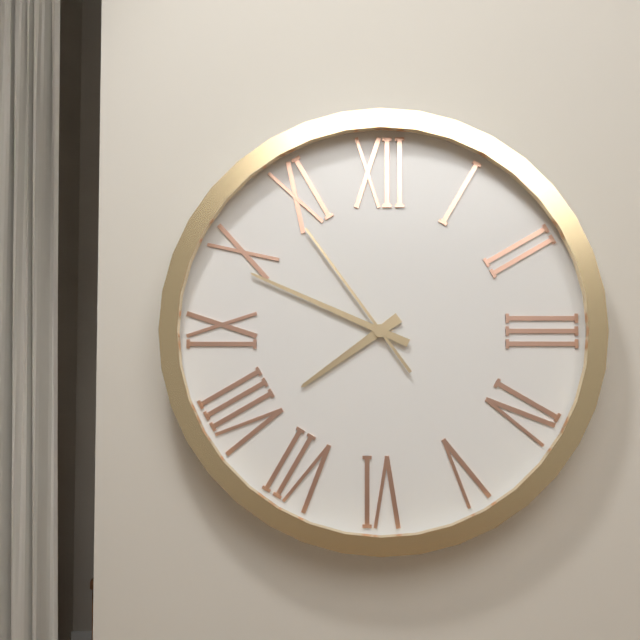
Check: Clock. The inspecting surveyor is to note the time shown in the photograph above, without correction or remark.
7:49:54
